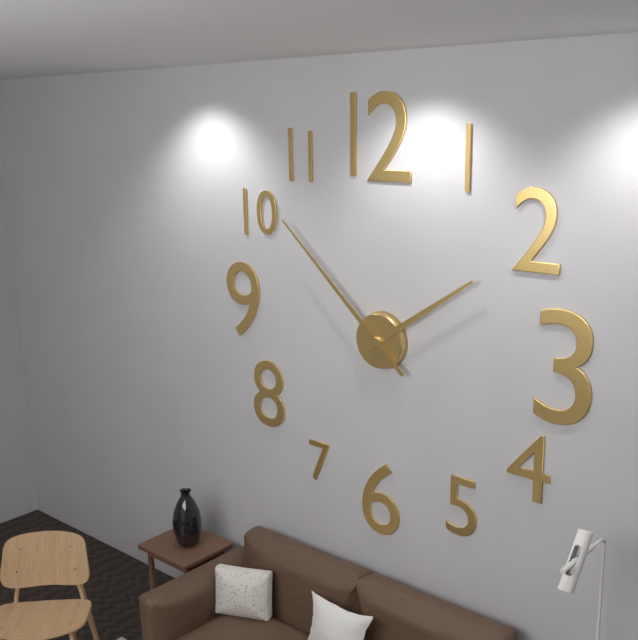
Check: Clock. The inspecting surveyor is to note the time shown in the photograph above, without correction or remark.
1:52
